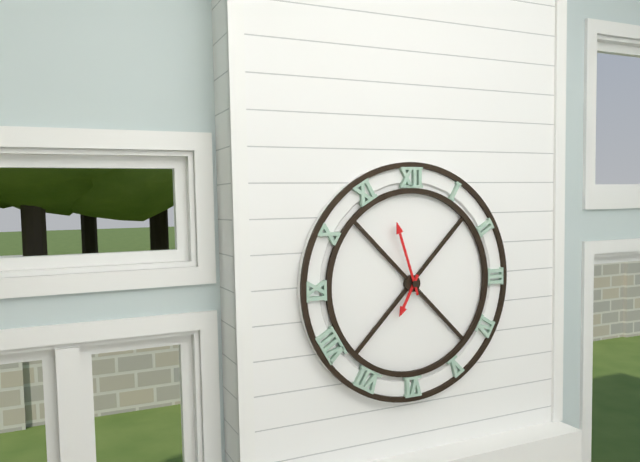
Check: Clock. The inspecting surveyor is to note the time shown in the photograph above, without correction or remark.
6:57
